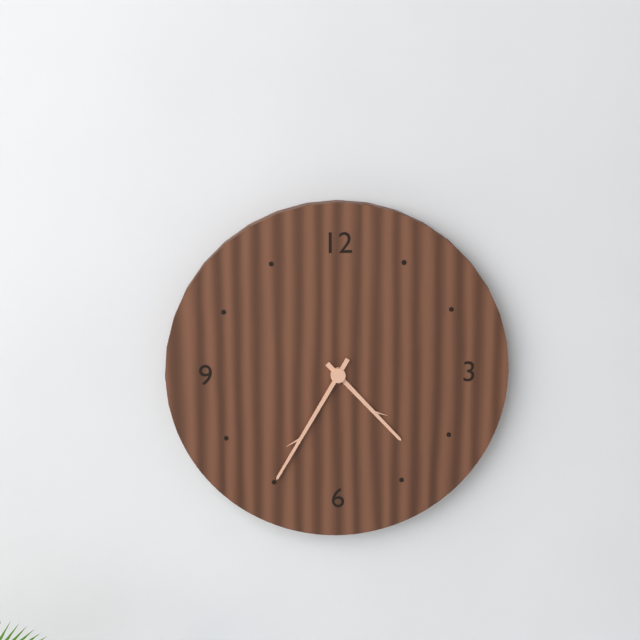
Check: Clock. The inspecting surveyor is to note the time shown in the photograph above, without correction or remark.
4:35
